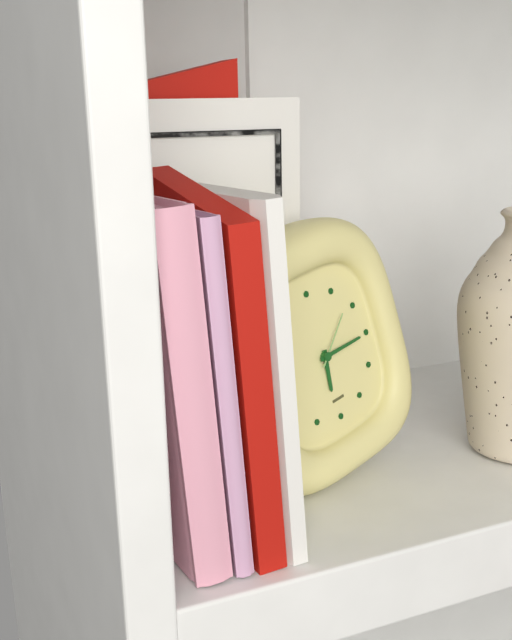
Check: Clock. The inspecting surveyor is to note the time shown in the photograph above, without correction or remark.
6:15:08
